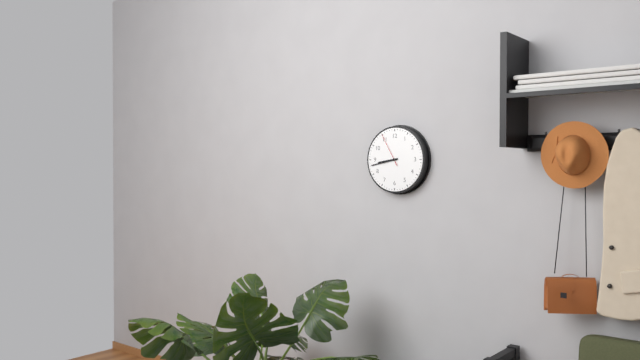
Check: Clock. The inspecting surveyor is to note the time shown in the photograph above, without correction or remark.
8:43
